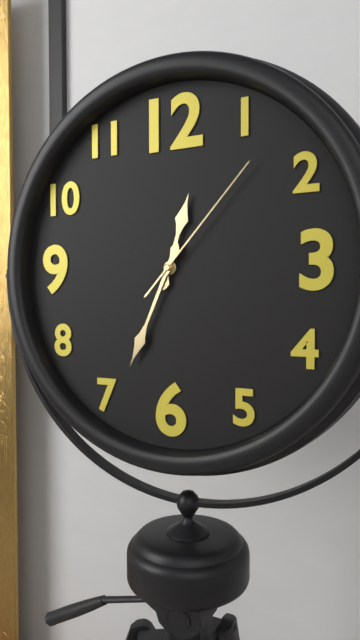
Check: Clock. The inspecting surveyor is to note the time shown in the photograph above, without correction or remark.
12:34:07
